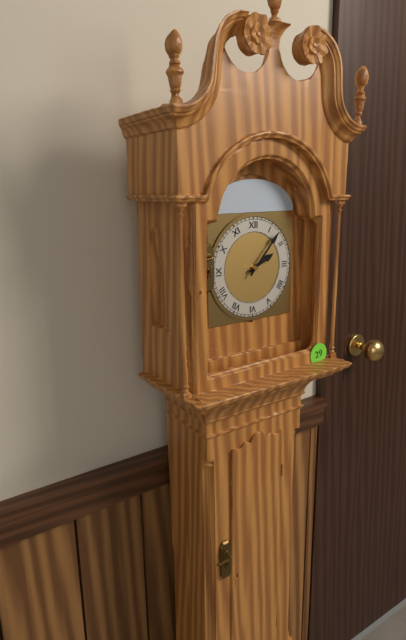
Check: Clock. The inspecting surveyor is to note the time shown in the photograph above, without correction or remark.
2:07
